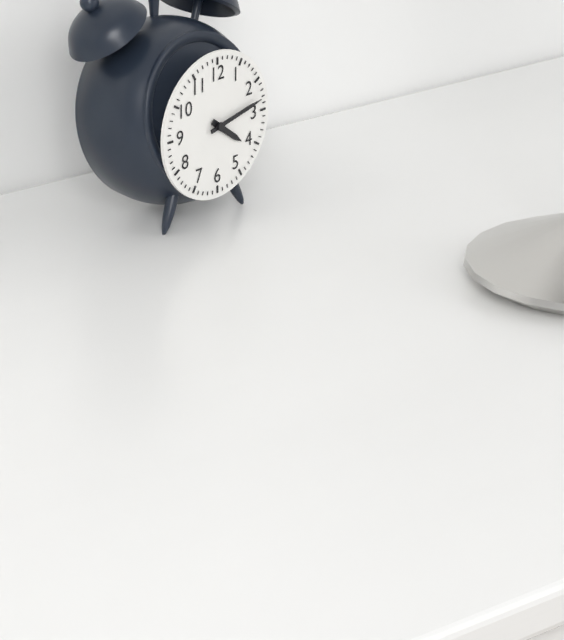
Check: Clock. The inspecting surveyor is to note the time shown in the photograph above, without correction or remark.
4:13
